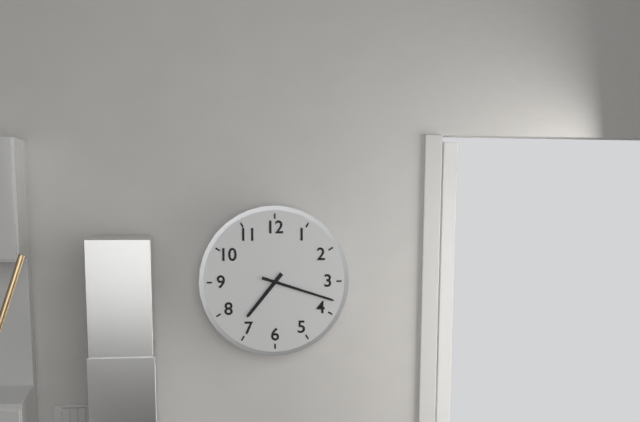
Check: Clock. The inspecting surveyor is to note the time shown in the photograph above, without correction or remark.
7:18
